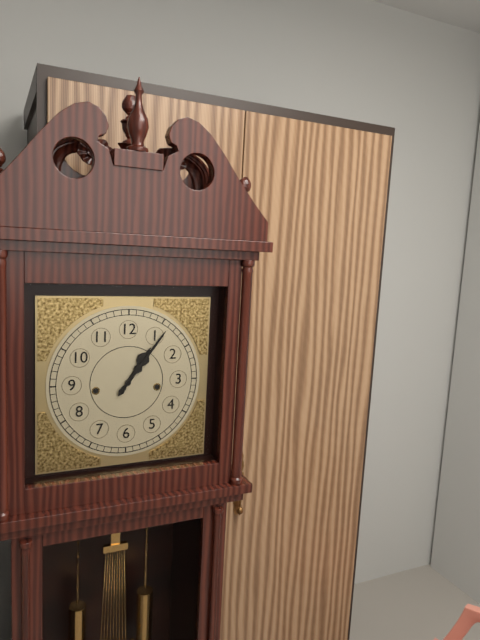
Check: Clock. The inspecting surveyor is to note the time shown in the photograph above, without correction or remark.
1:06
